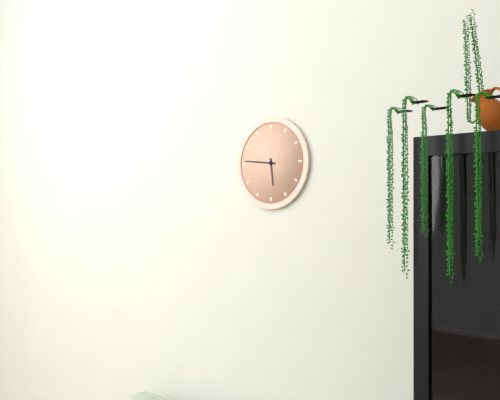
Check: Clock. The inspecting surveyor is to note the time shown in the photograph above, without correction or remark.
5:46
